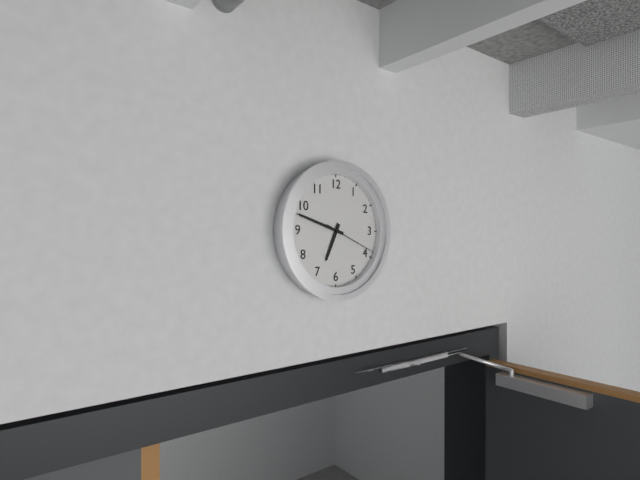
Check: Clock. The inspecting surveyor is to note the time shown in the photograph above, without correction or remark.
6:48:19
